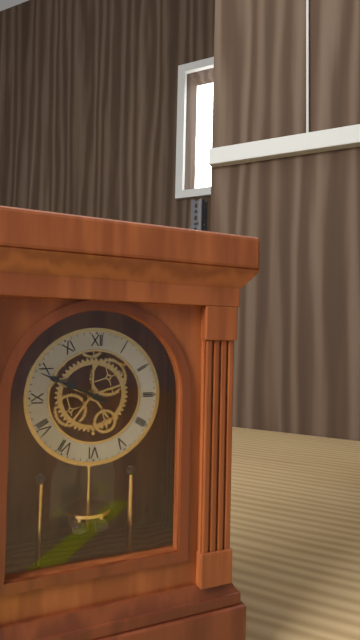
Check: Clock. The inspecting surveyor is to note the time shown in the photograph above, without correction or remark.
9:49
